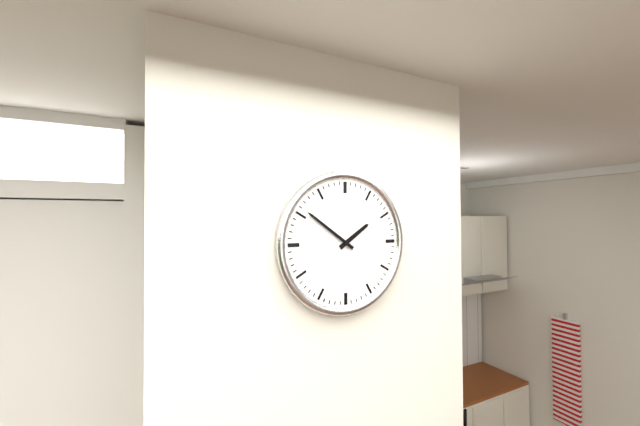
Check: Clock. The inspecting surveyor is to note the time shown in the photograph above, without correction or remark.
1:51
